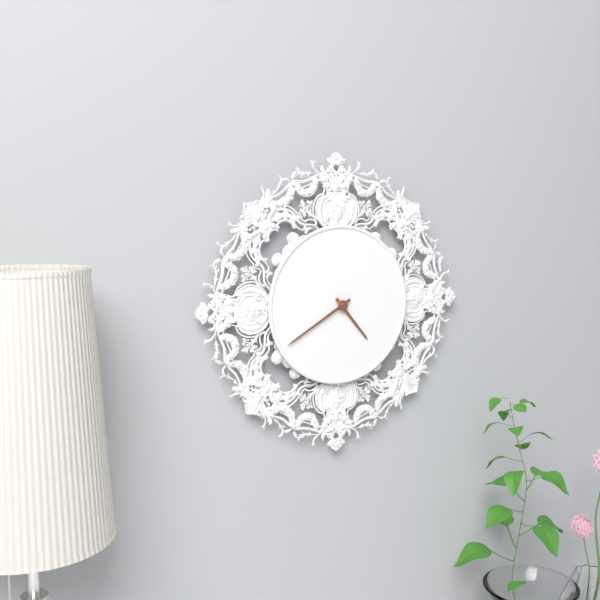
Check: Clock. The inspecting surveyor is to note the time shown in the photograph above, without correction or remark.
4:40
